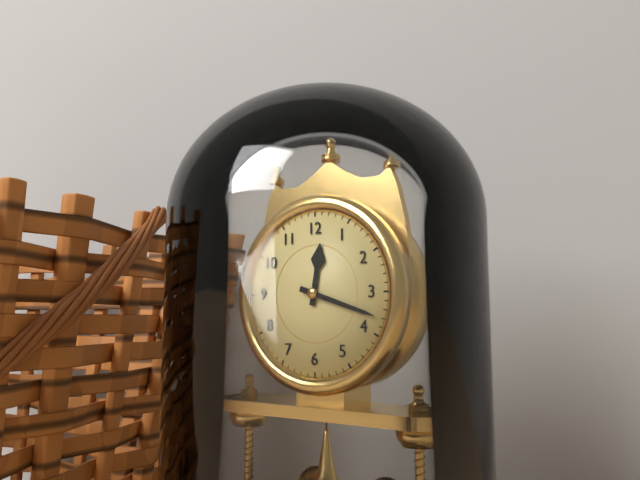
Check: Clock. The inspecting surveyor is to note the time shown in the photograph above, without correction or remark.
12:18
